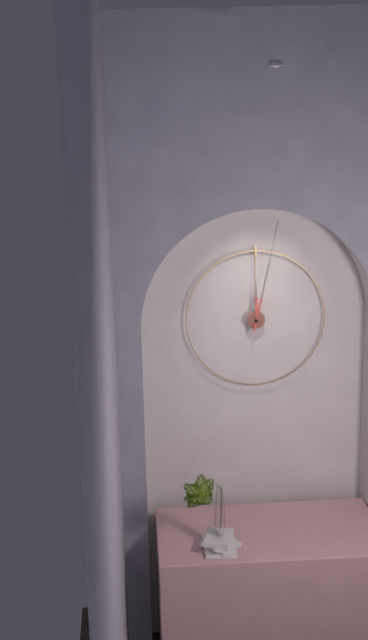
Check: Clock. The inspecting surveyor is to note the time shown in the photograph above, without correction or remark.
12:02
